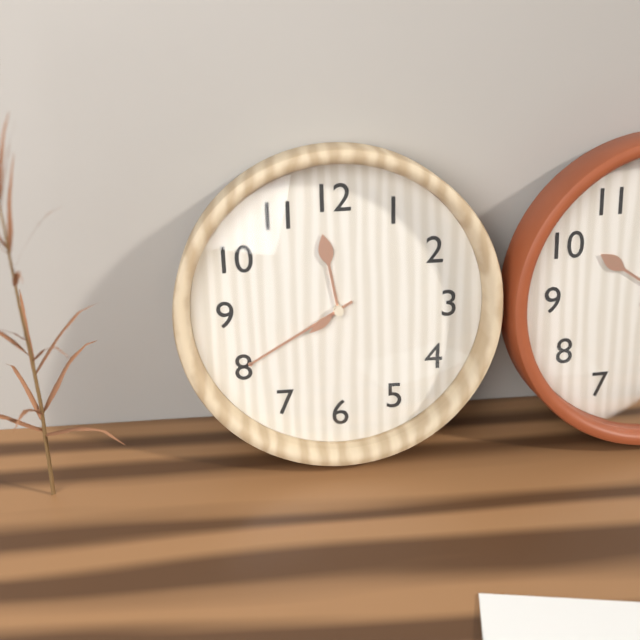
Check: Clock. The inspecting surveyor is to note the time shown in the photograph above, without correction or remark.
11:40
